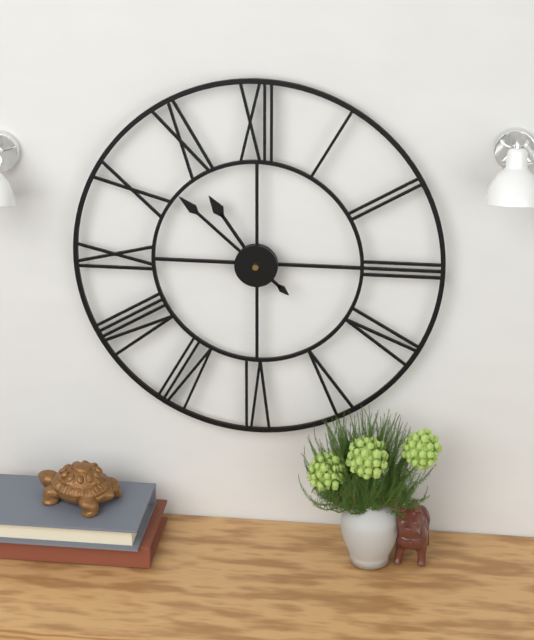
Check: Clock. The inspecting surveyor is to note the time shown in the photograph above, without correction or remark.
10:52
